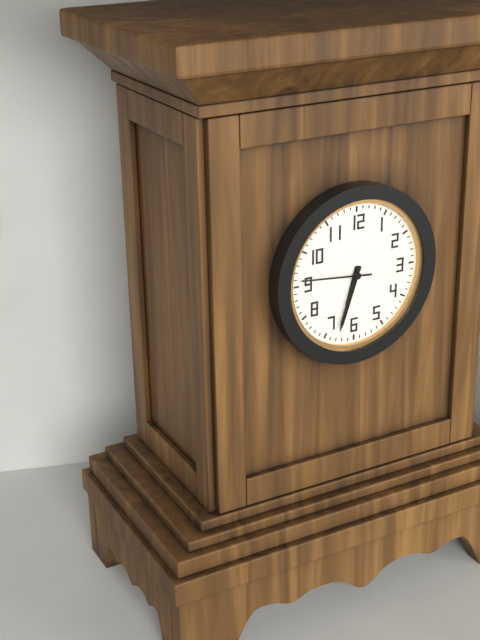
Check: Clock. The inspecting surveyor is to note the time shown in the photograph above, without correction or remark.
6:33
